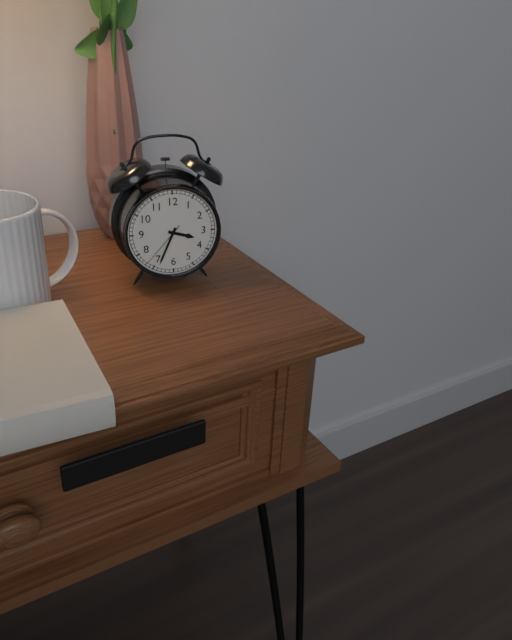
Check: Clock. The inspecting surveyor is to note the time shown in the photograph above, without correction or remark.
3:34
